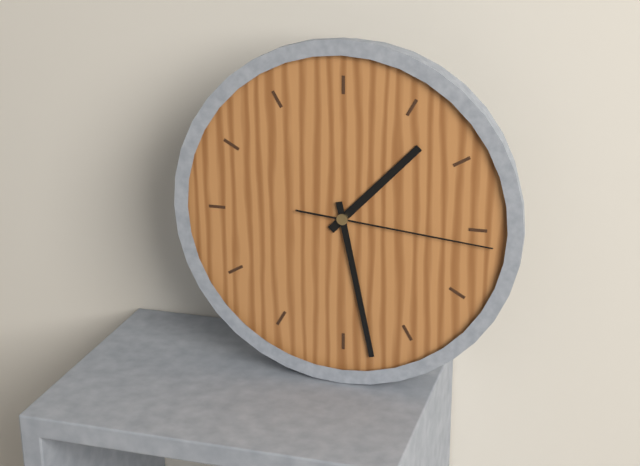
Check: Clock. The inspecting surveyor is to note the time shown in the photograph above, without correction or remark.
1:28:16
